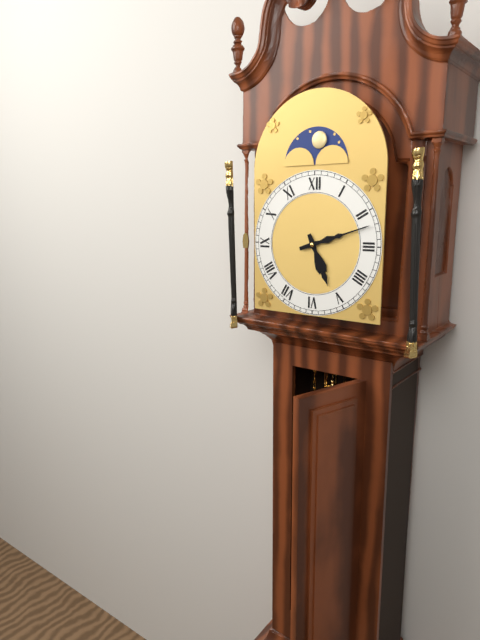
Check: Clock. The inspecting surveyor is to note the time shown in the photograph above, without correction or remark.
5:12
